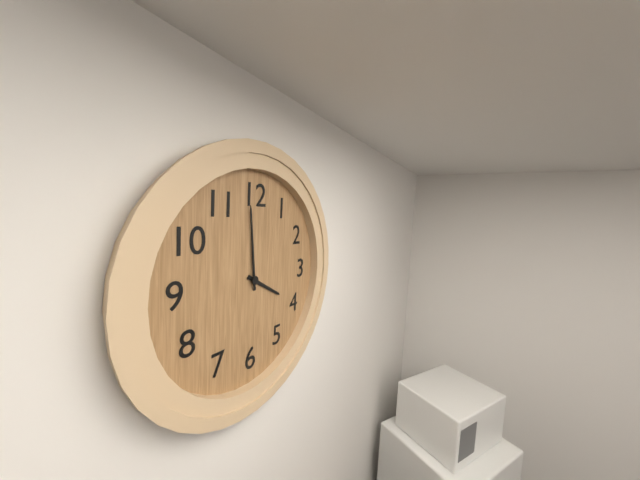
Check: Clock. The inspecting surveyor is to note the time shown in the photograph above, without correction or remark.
3:59
